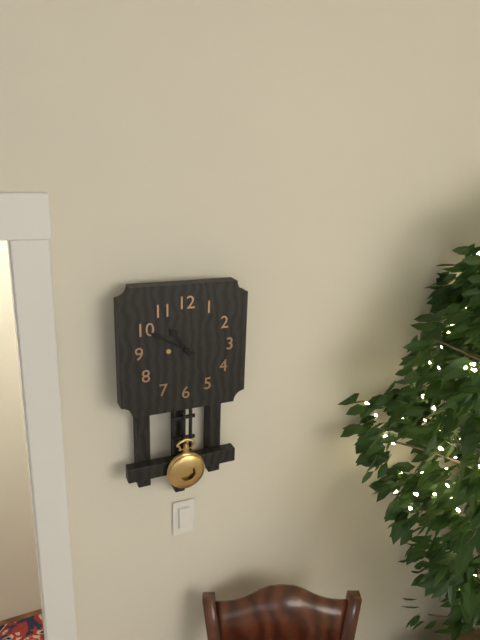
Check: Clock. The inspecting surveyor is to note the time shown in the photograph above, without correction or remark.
10:50
